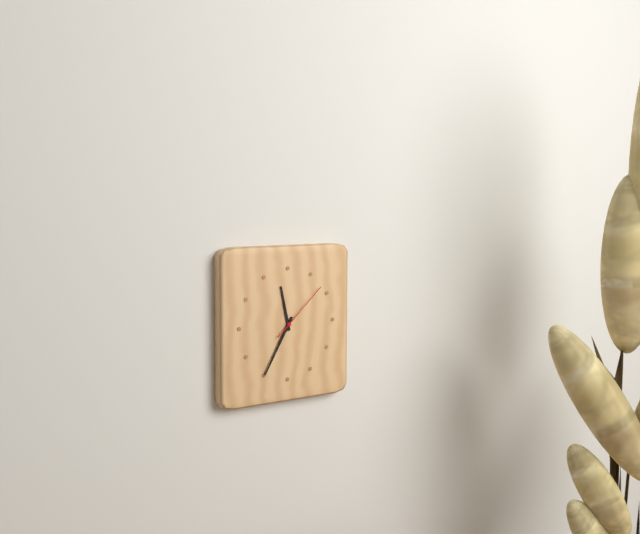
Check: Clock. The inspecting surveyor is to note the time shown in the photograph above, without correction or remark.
11:35:08
